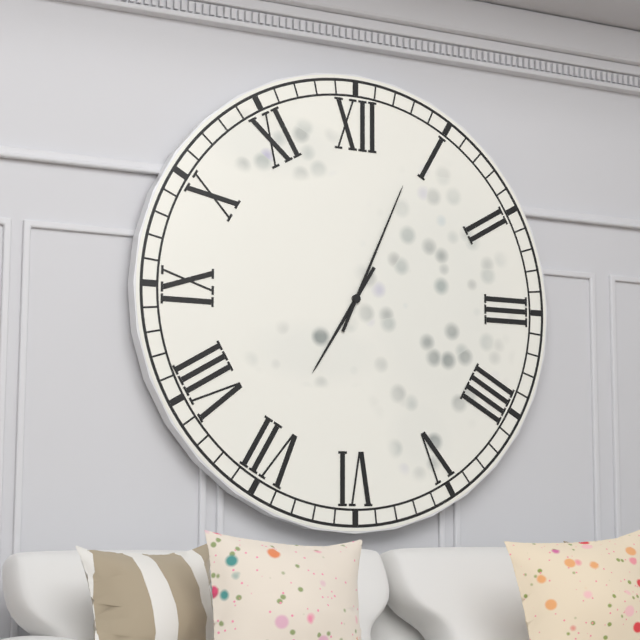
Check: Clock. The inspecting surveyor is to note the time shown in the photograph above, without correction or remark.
7:04
